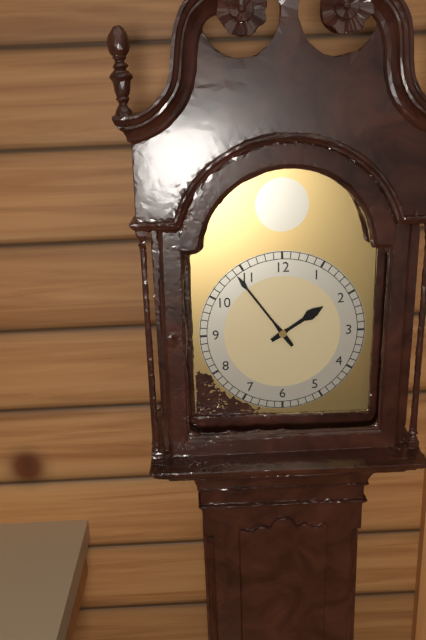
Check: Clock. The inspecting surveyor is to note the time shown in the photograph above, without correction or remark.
1:54
